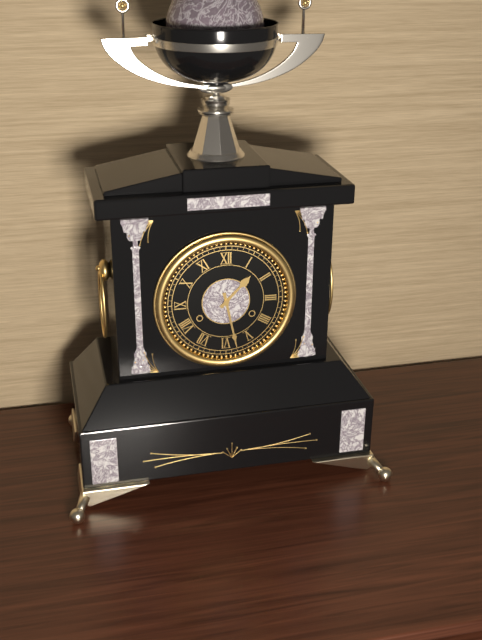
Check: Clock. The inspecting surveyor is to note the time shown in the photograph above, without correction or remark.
1:28
